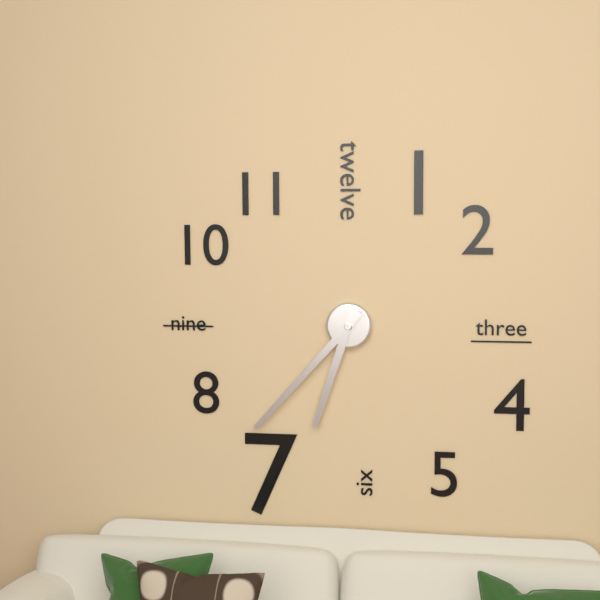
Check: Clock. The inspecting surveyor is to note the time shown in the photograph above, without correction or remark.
6:37
